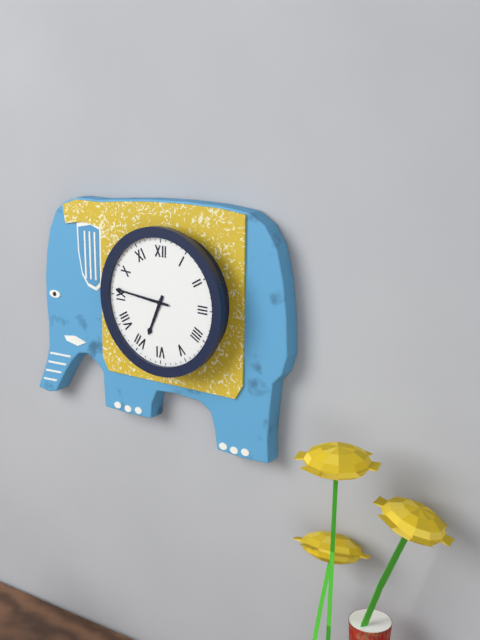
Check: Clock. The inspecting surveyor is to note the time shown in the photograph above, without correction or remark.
6:46
